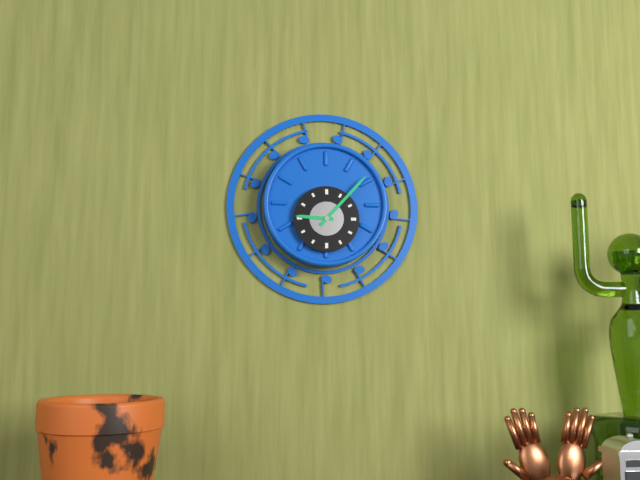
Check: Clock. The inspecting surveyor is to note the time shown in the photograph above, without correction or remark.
9:07
